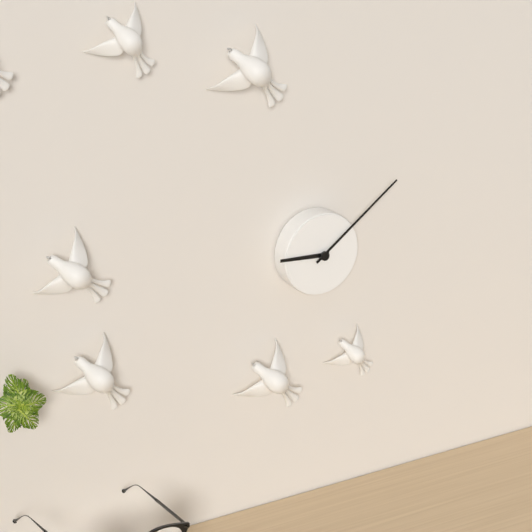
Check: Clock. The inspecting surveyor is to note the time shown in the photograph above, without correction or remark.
9:09
